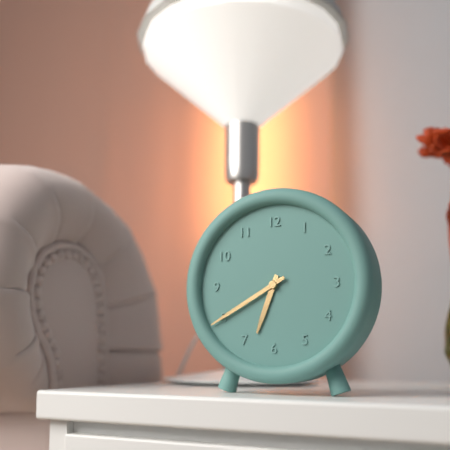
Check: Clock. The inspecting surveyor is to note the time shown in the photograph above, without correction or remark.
6:40
